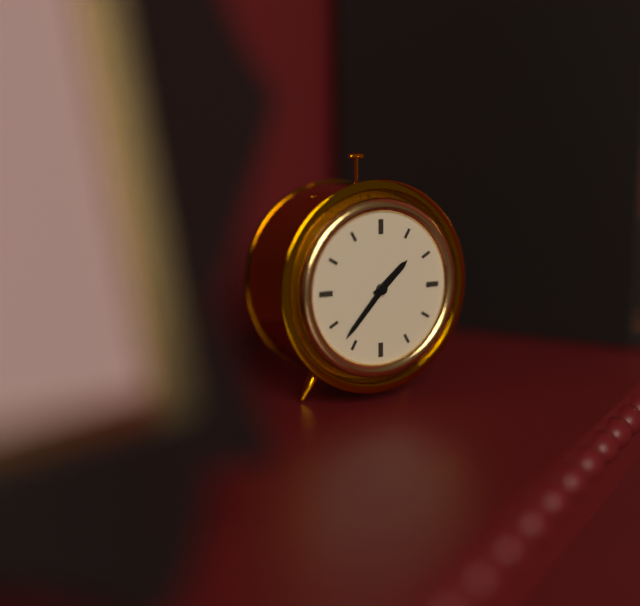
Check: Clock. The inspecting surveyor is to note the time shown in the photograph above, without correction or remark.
1:37
